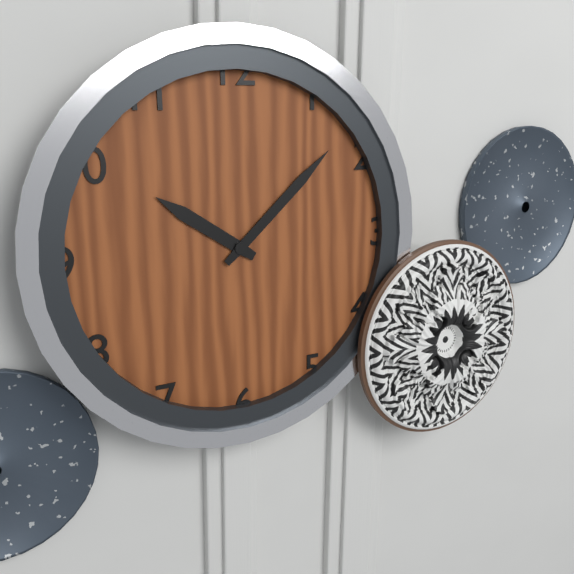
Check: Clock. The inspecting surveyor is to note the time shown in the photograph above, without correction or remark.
10:08
